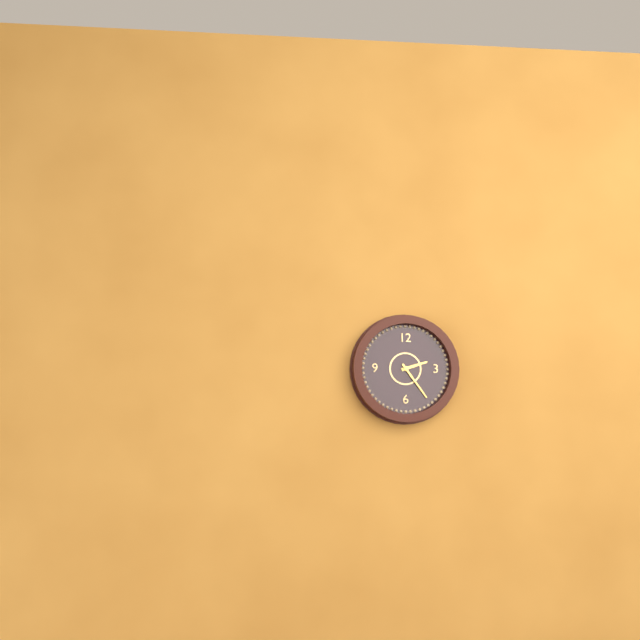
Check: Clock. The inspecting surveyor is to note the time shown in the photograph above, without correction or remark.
2:24
